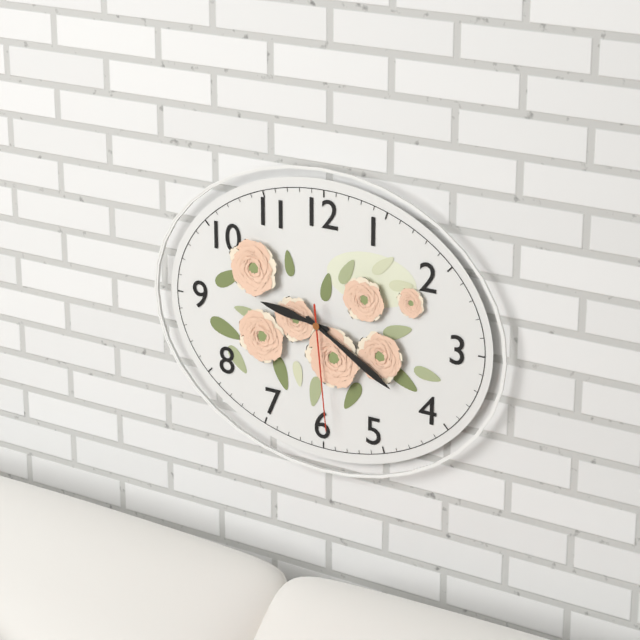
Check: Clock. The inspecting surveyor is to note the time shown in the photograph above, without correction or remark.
9:20:29
